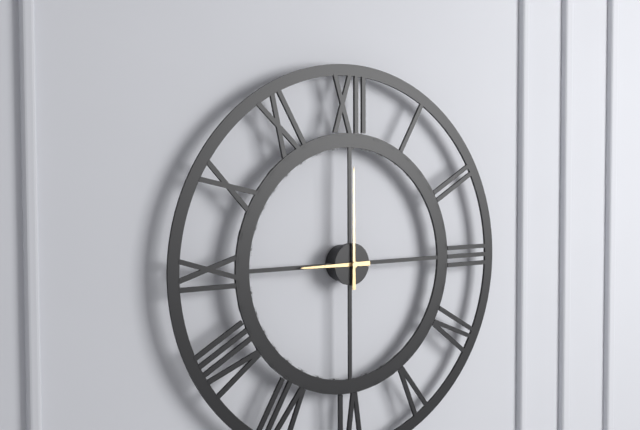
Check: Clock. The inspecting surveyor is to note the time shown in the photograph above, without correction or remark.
9:00
